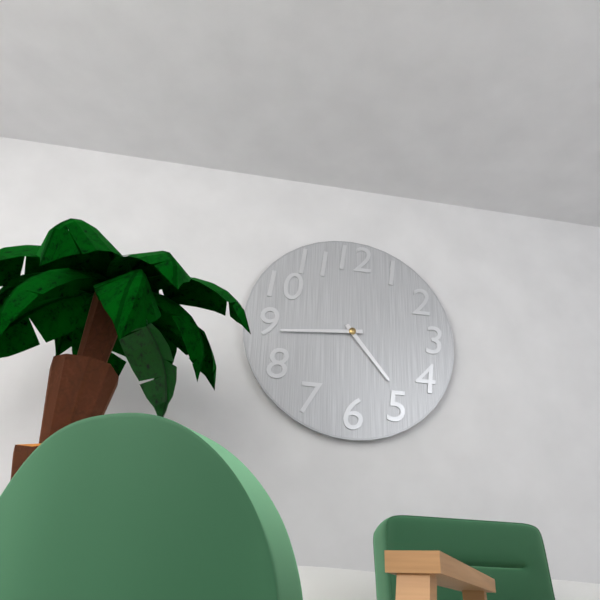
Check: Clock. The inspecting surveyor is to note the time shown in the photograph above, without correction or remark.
4:44
